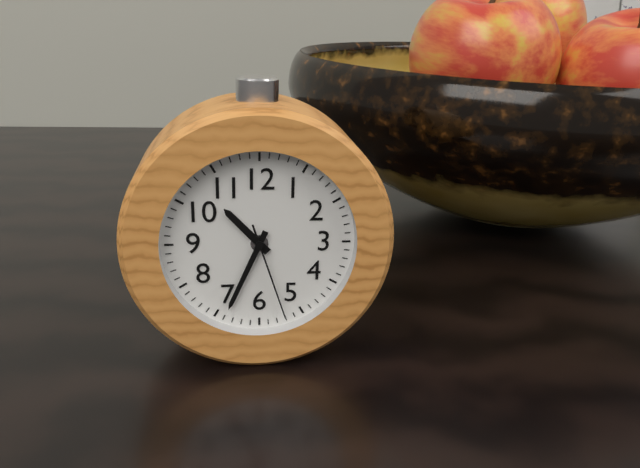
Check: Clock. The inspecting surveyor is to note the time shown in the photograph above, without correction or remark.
10:34:27
